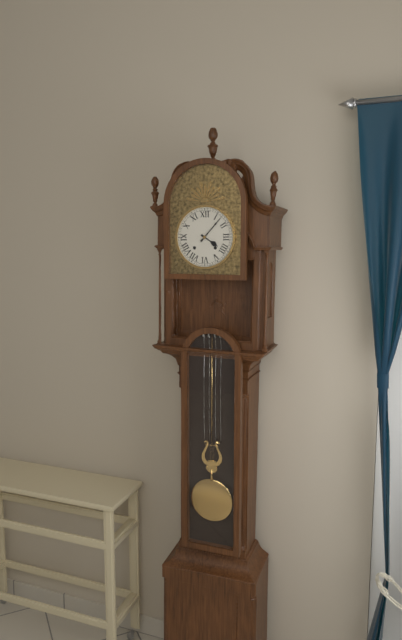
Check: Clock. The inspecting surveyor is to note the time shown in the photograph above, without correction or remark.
4:07
